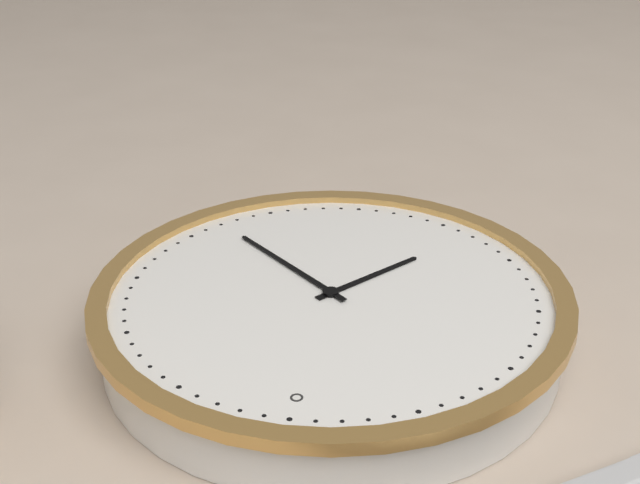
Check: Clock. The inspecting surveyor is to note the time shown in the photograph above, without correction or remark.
7:22
